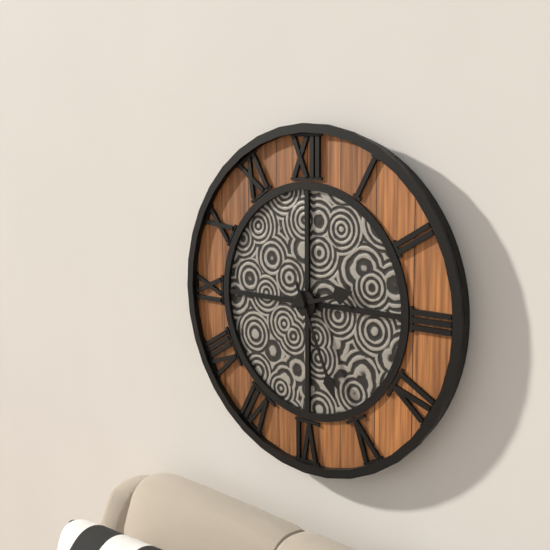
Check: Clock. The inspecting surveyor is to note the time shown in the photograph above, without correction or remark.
2:26
